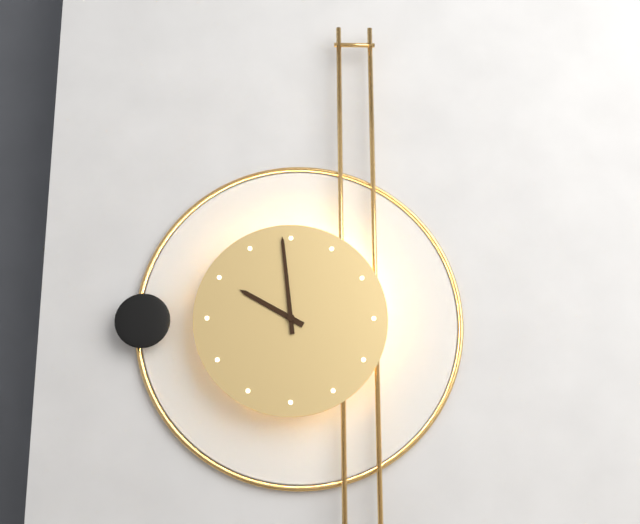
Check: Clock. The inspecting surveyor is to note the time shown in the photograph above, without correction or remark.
9:59
